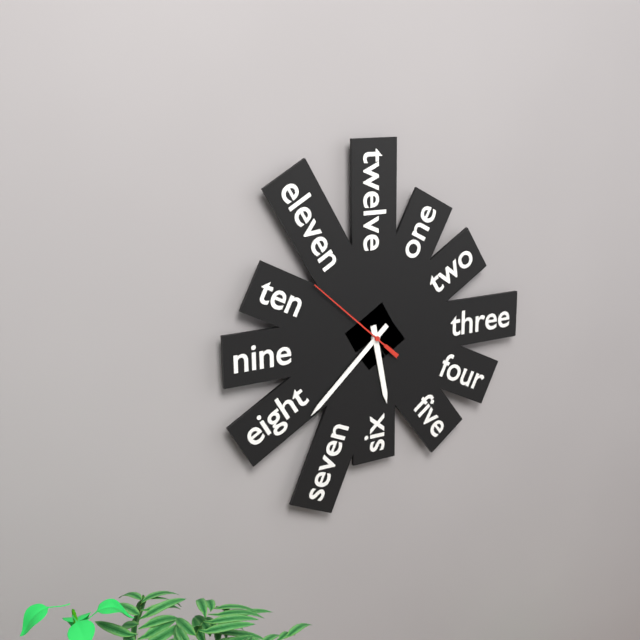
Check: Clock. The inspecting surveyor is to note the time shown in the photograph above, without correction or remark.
5:38:52
